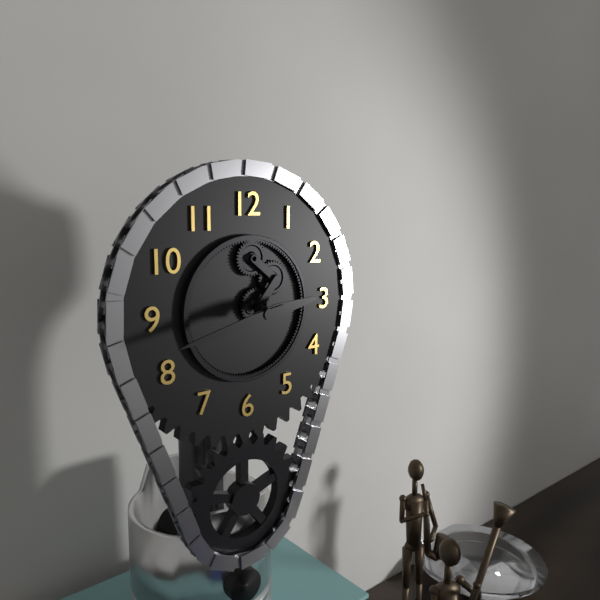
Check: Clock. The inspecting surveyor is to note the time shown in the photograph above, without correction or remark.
2:43
